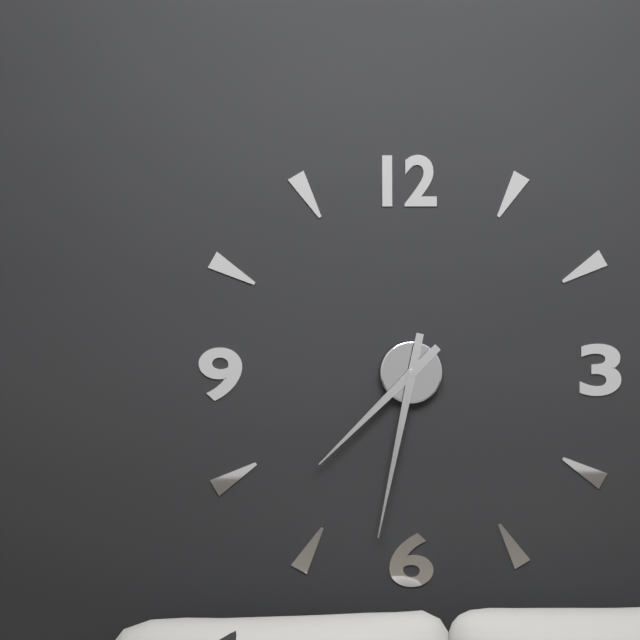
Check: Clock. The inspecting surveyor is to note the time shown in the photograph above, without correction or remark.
7:32
